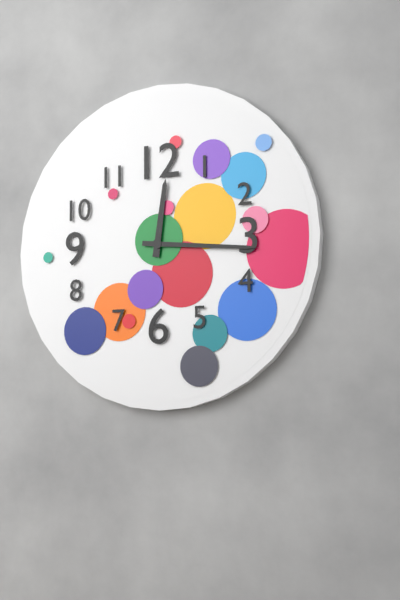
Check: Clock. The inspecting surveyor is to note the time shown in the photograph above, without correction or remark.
12:16
